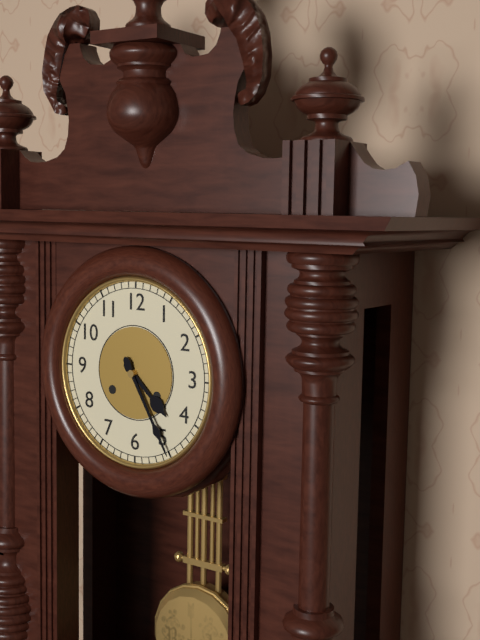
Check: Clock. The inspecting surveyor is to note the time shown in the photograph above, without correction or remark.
4:25
